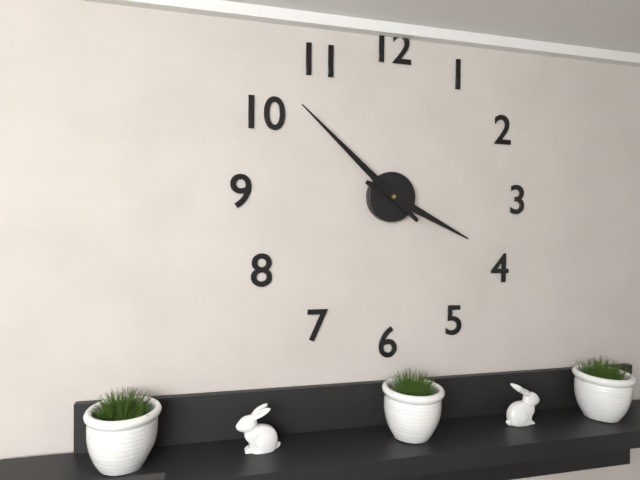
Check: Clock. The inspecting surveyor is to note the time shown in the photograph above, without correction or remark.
3:52
